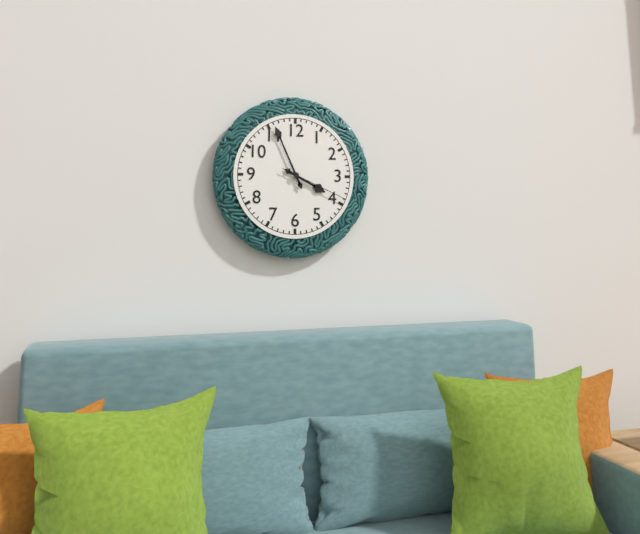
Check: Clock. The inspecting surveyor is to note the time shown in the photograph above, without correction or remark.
3:56:19
